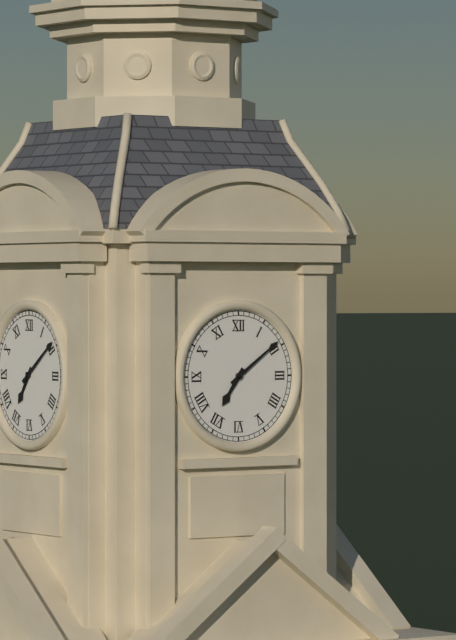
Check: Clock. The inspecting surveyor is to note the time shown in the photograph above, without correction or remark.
7:09
